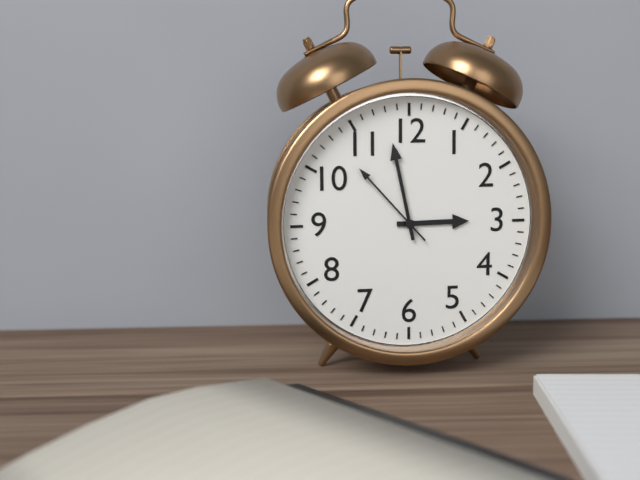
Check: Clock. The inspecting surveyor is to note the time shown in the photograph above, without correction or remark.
2:58:53
